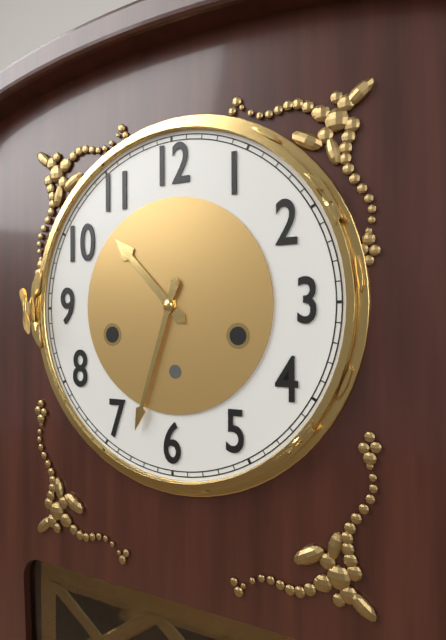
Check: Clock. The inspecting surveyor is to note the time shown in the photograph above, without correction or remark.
10:33
